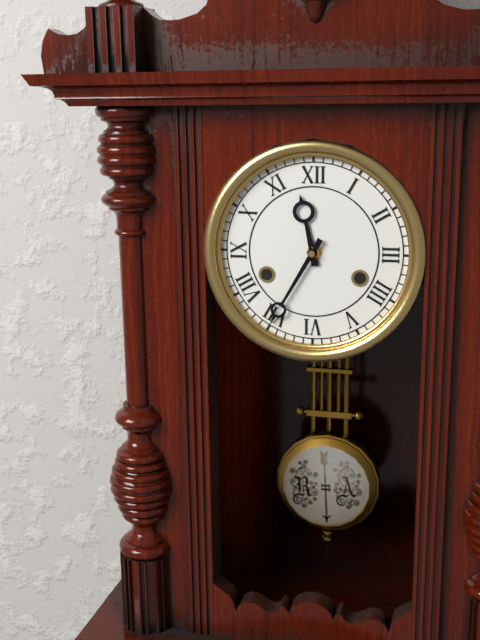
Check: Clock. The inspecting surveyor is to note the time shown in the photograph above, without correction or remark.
11:35
